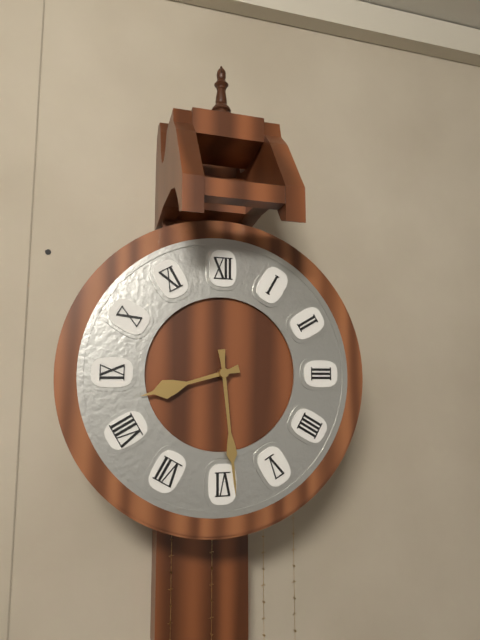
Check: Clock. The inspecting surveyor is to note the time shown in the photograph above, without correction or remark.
8:29
